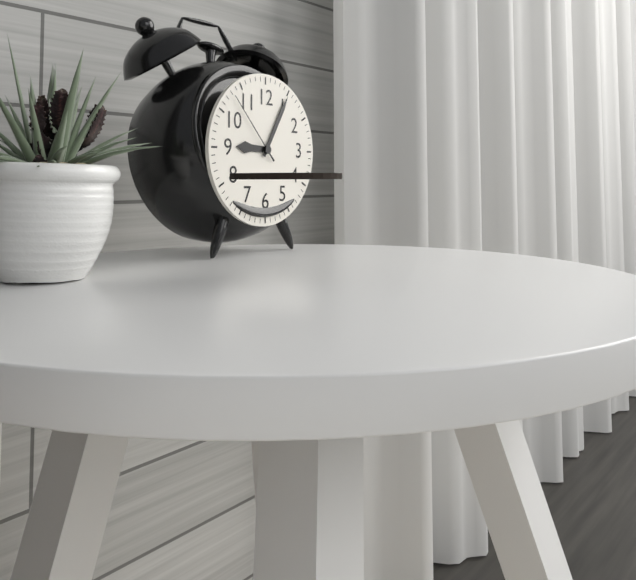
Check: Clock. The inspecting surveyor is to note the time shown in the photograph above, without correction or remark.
9:05:53
